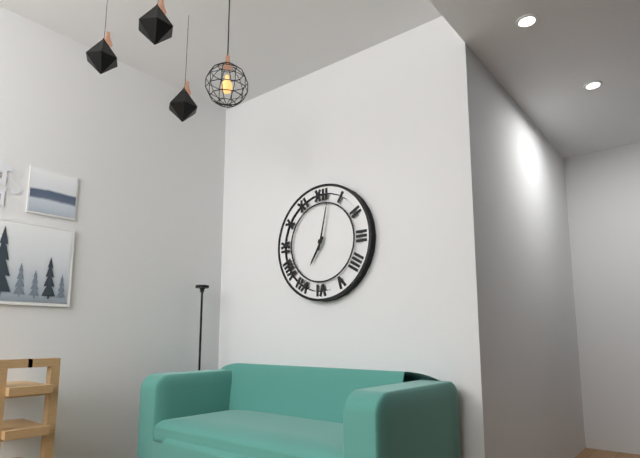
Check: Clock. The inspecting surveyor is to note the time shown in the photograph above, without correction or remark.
7:02
